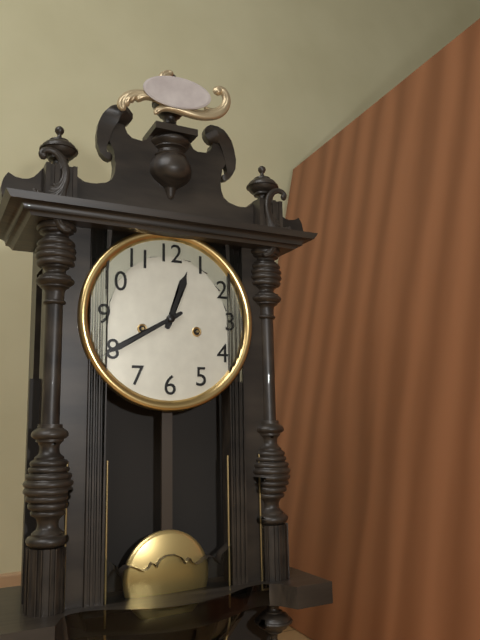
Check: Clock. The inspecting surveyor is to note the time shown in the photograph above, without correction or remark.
12:40
